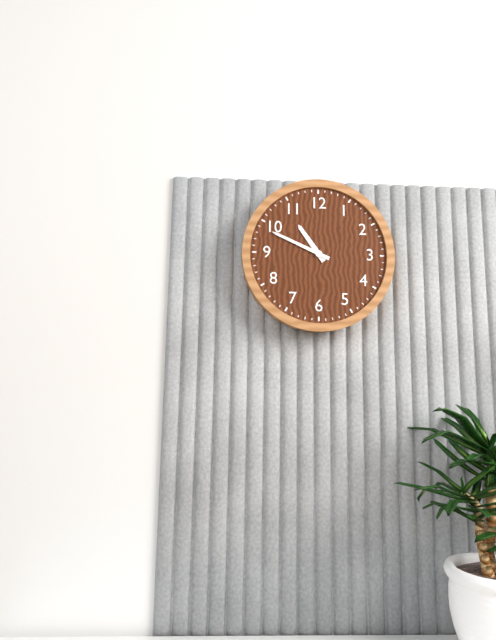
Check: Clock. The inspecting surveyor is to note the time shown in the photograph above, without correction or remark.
10:49
